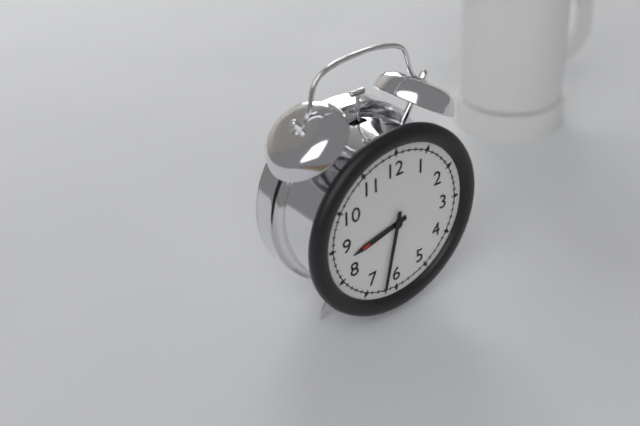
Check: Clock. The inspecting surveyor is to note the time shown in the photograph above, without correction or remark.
8:32
